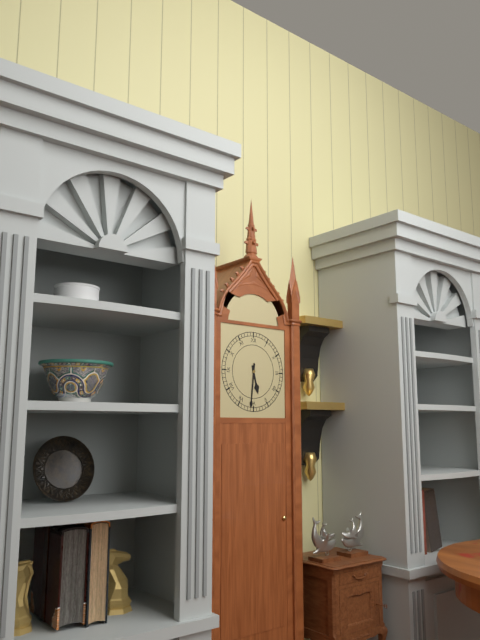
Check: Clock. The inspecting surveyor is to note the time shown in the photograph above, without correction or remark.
5:31
